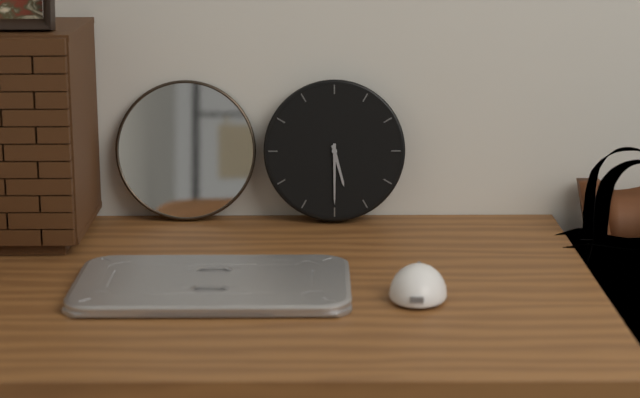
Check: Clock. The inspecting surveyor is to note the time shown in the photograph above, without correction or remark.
5:30
